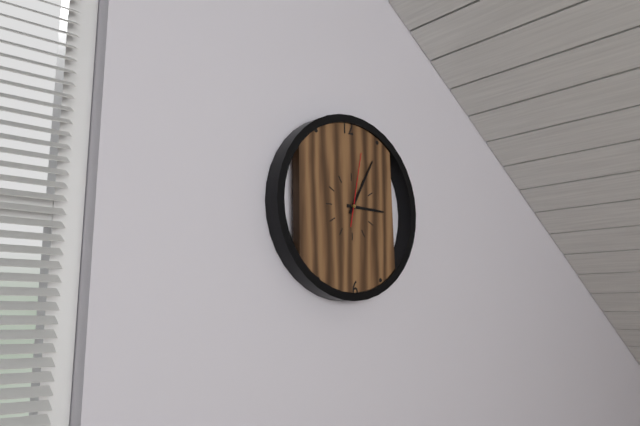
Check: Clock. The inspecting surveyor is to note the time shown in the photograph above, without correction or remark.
3:05:02
